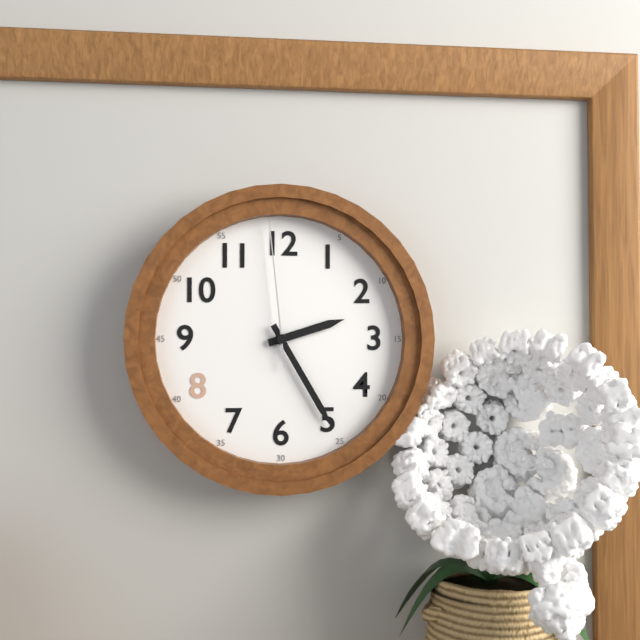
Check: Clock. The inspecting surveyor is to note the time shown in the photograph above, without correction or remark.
2:25:59
